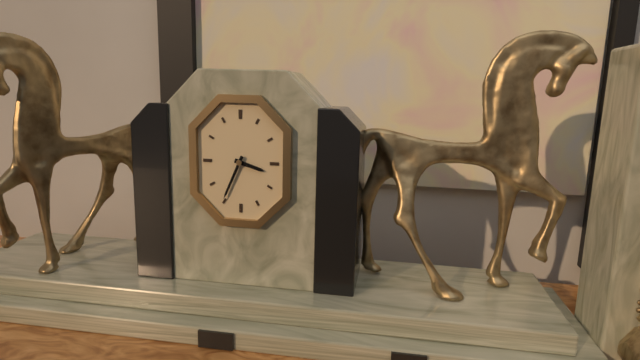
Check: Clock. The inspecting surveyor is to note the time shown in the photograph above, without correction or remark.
3:34
